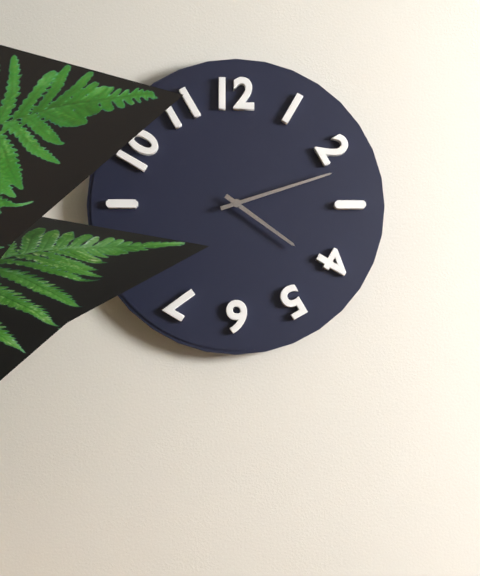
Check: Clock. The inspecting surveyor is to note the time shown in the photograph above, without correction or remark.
4:12
